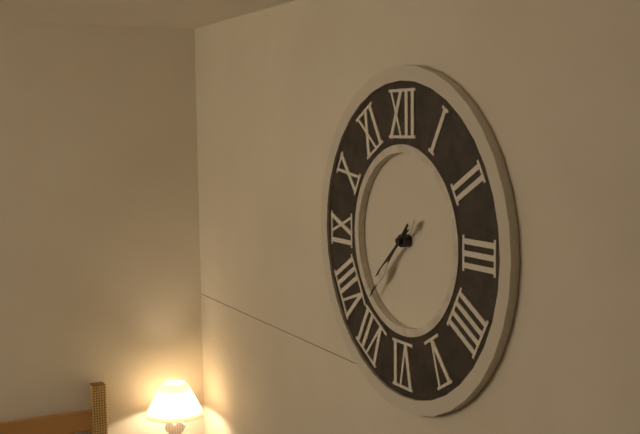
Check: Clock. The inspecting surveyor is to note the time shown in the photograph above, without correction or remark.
7:37
